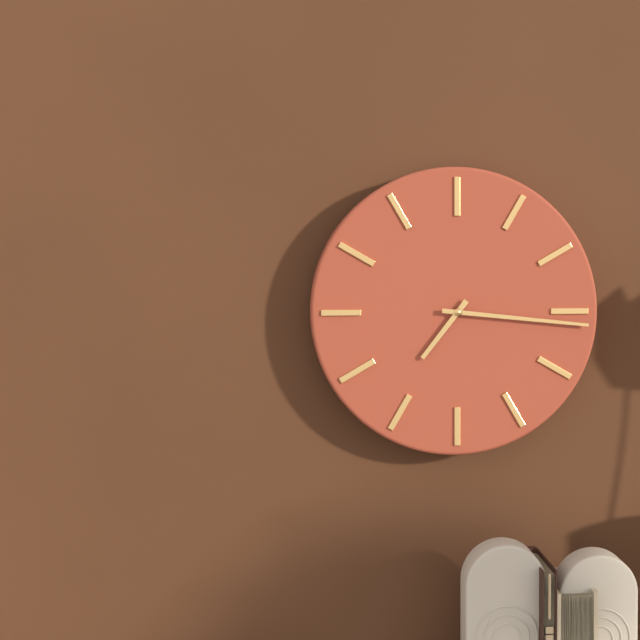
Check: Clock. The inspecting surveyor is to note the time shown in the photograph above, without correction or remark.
7:16
